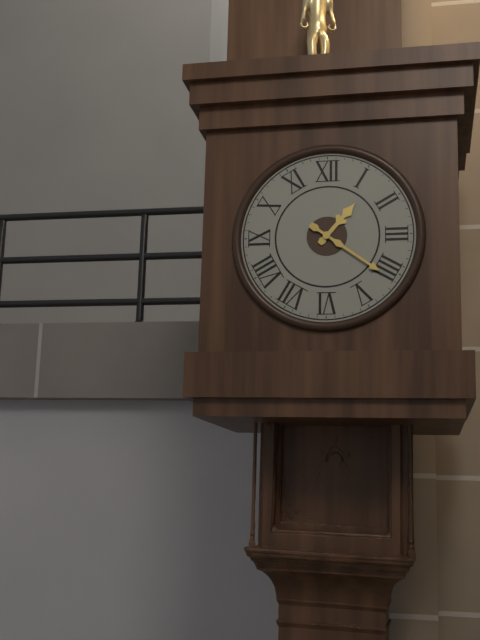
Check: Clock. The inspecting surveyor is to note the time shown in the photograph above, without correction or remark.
1:21
